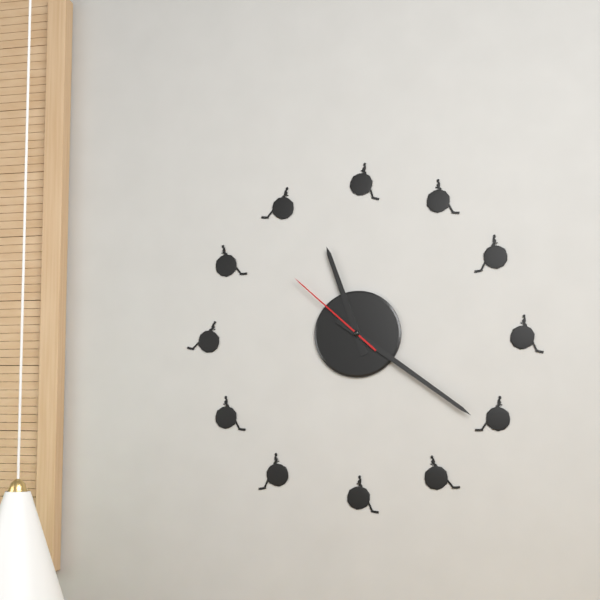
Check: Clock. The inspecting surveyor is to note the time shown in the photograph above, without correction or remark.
11:21:52
